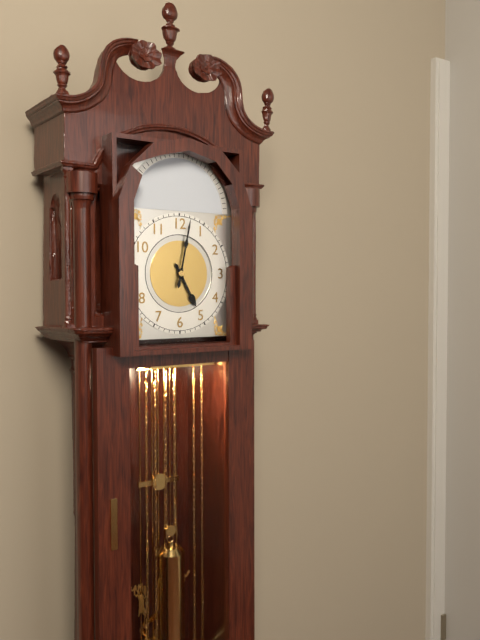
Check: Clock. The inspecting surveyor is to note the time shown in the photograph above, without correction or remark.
5:02
